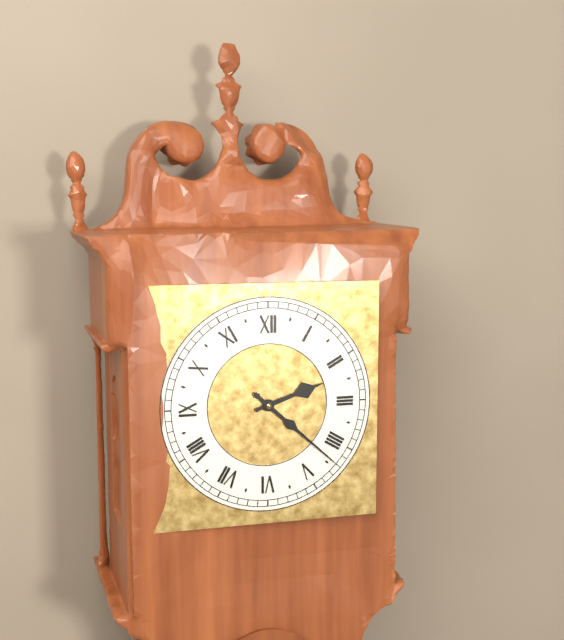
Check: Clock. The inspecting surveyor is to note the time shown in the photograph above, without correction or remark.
2:22
